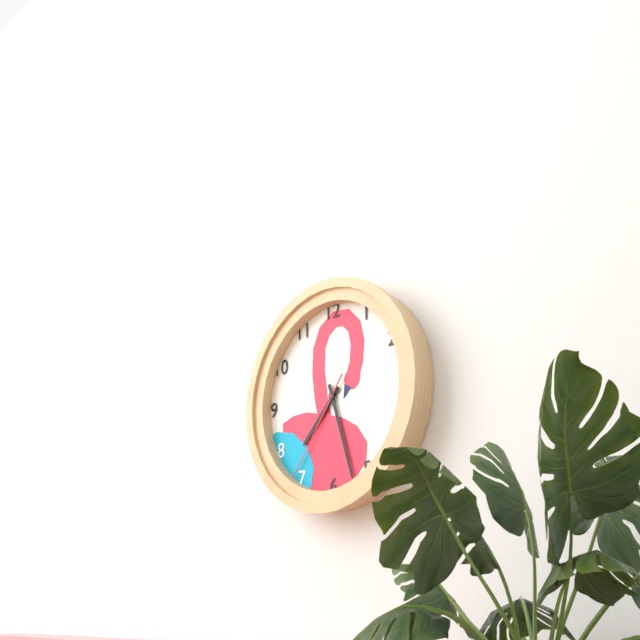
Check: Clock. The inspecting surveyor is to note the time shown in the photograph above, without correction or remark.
7:27:36
